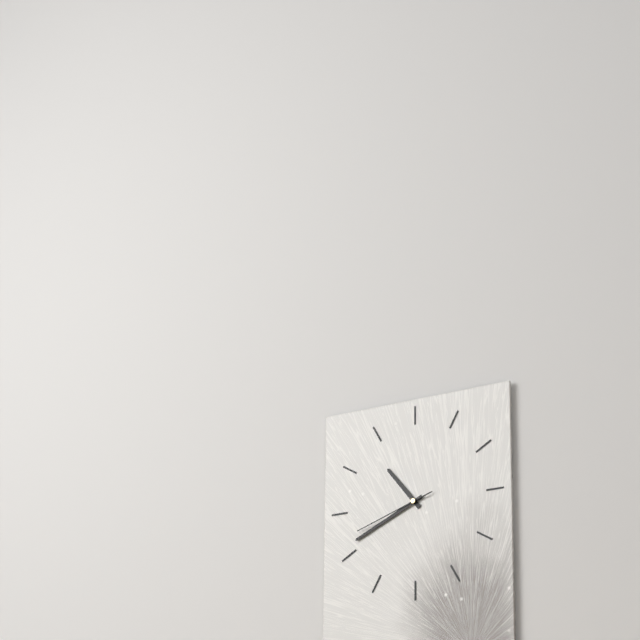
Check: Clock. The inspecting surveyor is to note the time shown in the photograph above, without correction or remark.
10:41:42
